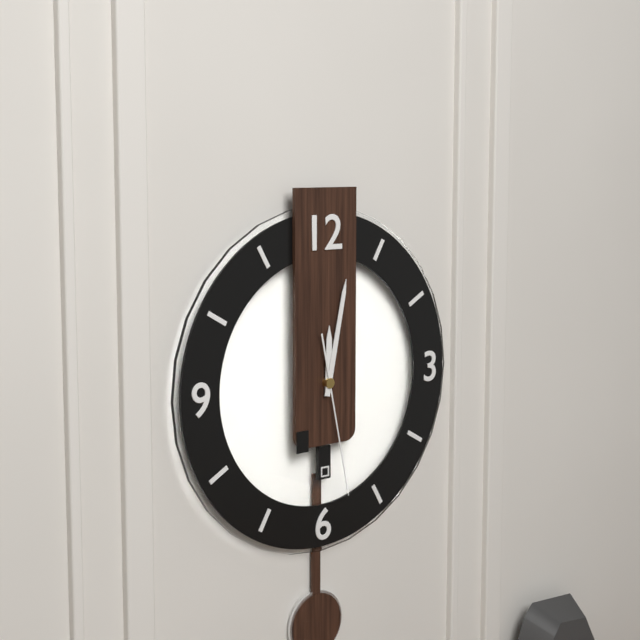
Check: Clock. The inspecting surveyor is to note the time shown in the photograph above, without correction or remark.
12:02:28
